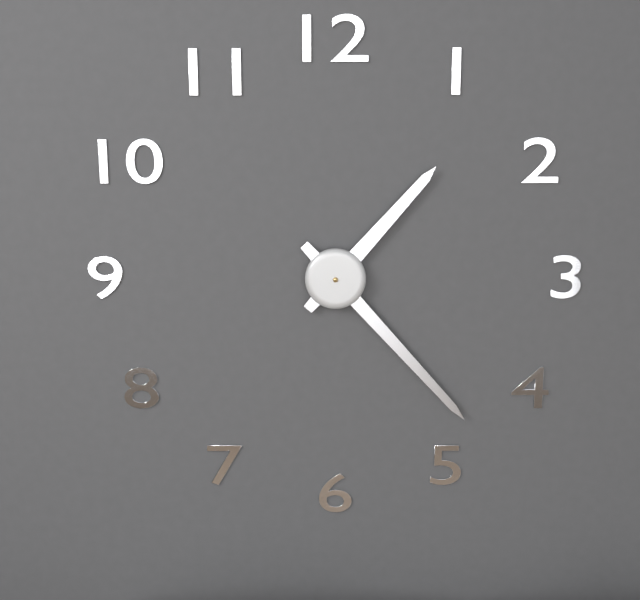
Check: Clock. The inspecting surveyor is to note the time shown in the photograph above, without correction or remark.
1:23
